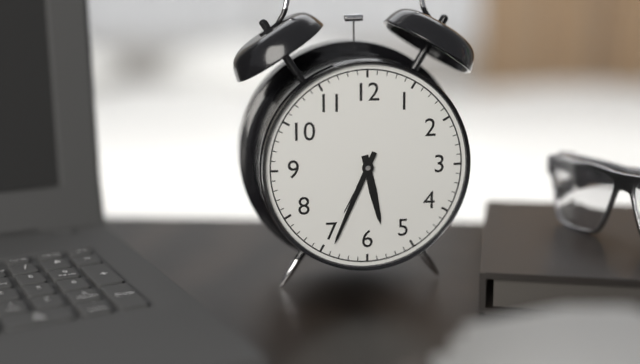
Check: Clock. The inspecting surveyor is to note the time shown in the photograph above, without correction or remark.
5:34
